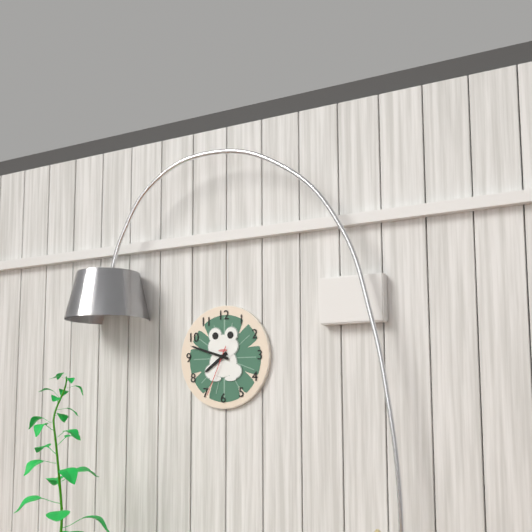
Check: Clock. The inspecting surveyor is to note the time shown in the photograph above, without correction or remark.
7:48:34
